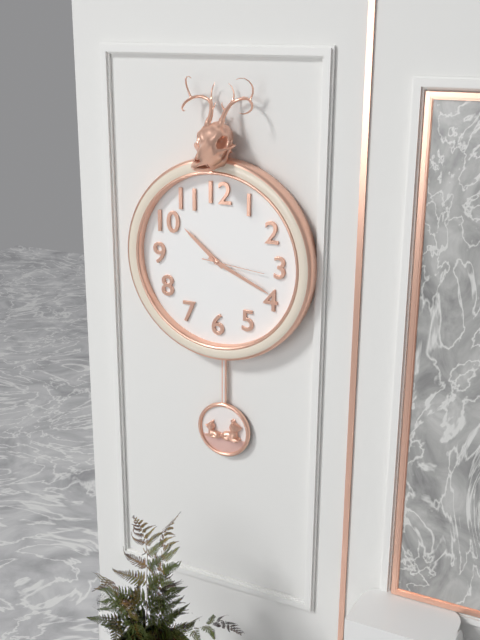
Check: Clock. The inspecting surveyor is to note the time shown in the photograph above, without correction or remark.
10:19:16
